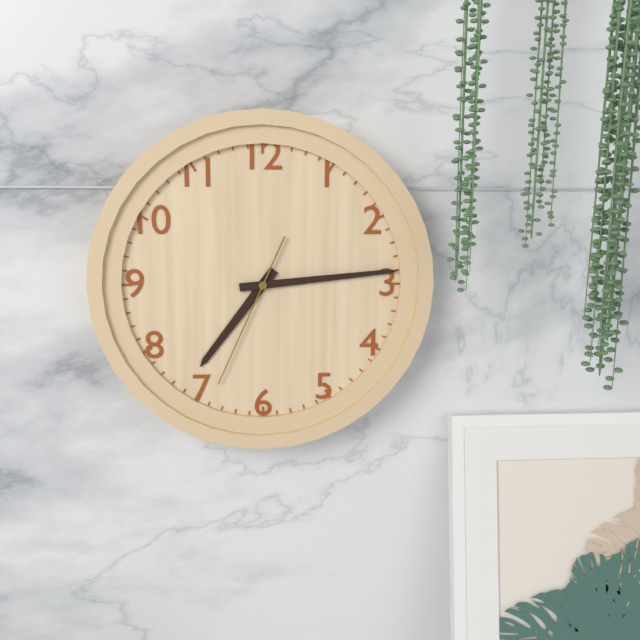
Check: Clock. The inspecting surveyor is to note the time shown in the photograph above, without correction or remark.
7:14:34
